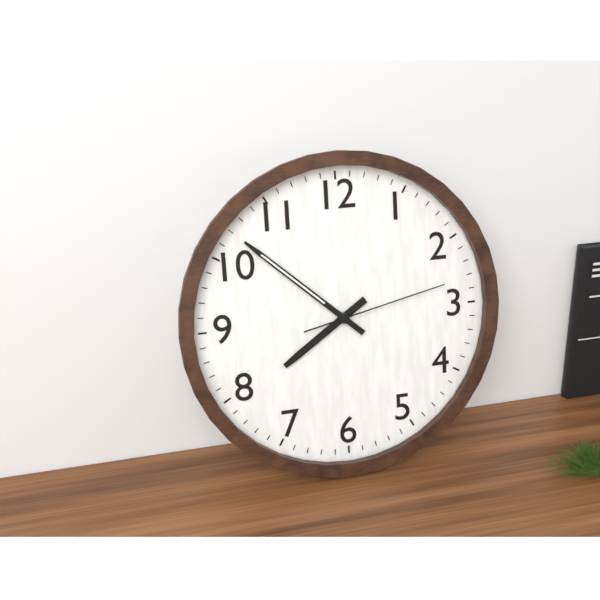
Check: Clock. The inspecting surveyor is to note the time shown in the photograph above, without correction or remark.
7:52:13
